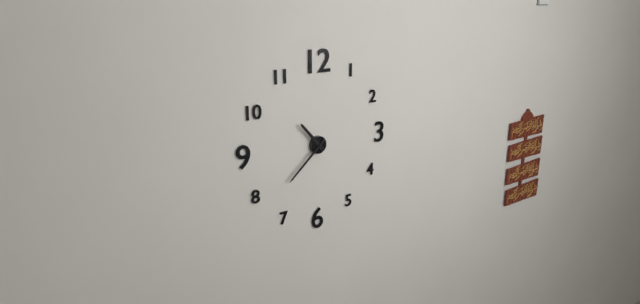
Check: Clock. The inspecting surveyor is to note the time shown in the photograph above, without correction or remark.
10:38
